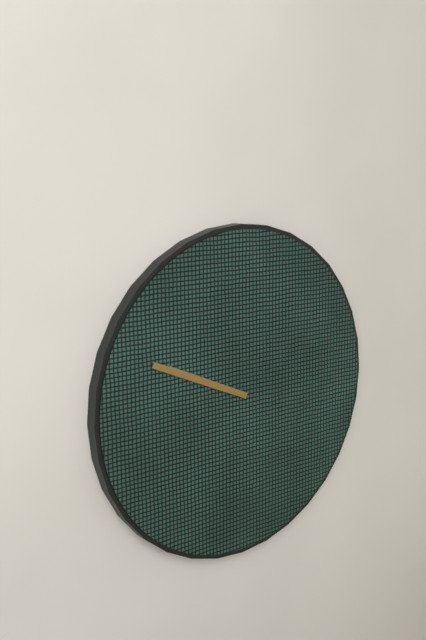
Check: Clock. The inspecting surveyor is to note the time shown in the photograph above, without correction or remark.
9:49
